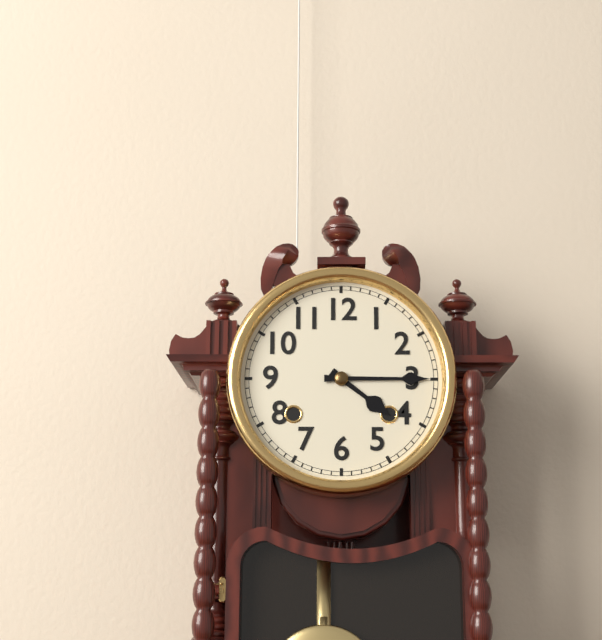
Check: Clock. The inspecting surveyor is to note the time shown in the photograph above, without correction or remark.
4:15
